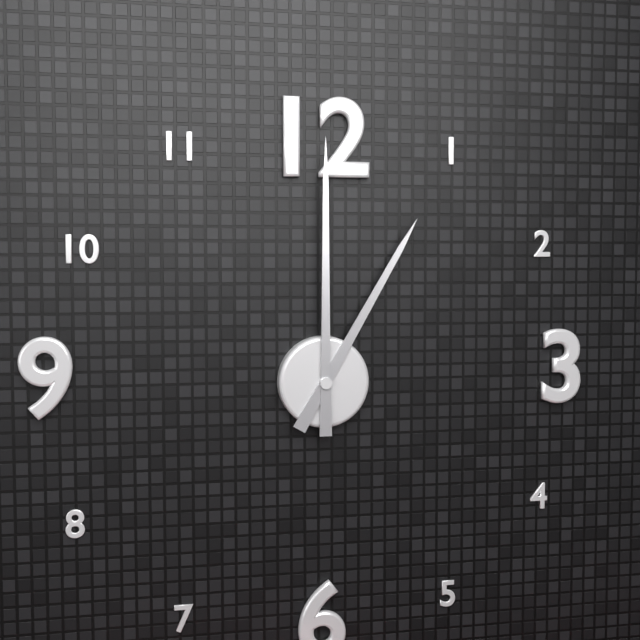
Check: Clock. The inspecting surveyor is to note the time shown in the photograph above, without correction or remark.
1:00
